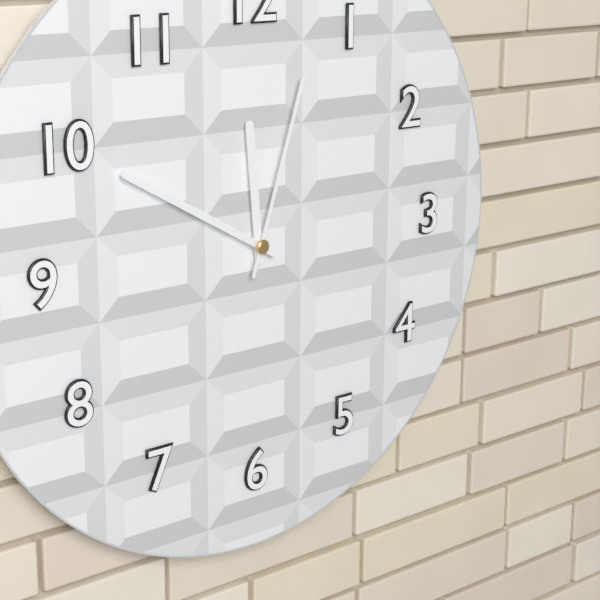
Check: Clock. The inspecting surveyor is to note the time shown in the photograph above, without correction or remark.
11:50:03
